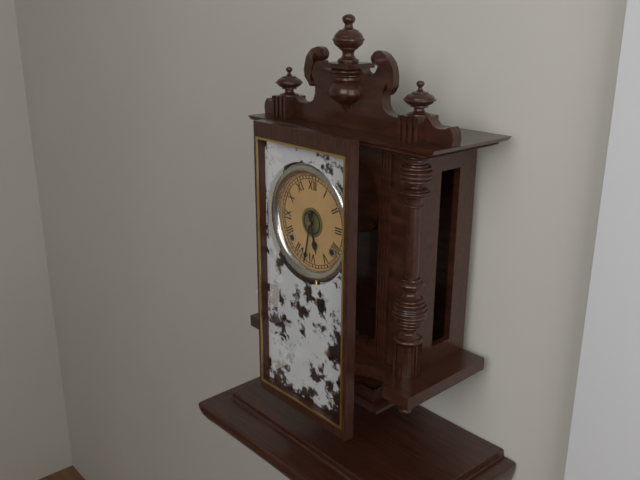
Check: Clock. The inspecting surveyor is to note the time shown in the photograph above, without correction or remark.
5:32
